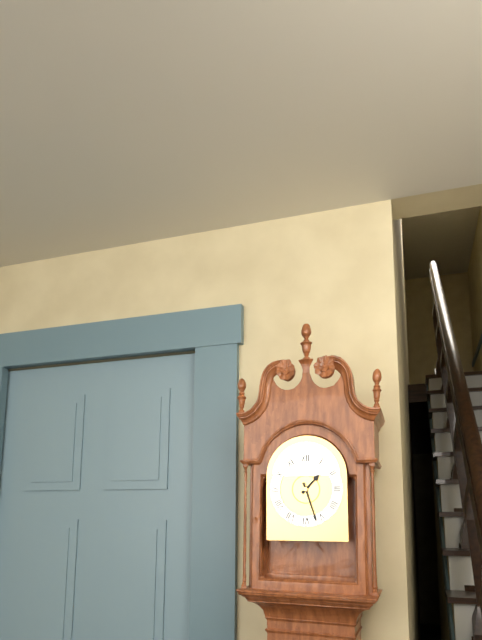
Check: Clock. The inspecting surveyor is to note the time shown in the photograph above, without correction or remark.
1:27
